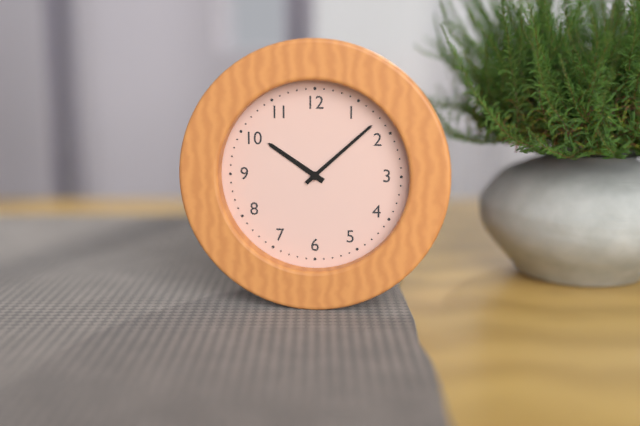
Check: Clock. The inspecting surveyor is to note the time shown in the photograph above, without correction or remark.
10:08
